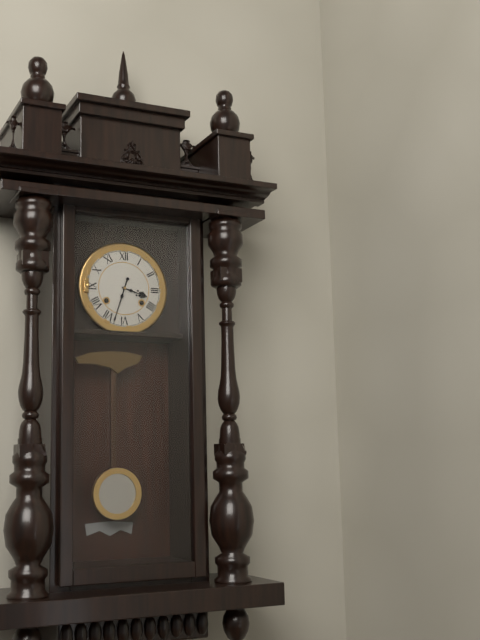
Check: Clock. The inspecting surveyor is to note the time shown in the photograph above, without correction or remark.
3:33
